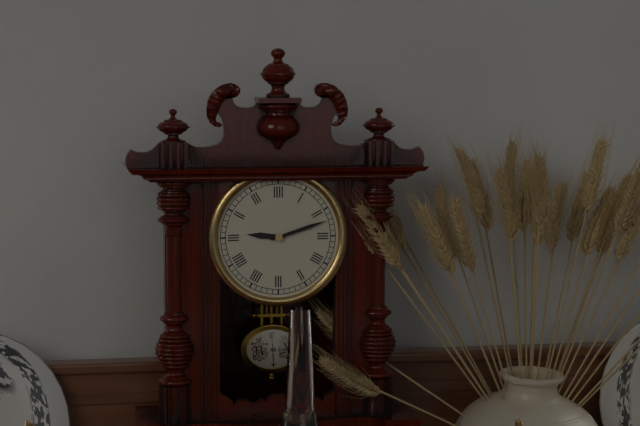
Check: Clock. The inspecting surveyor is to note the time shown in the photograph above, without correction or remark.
9:12
